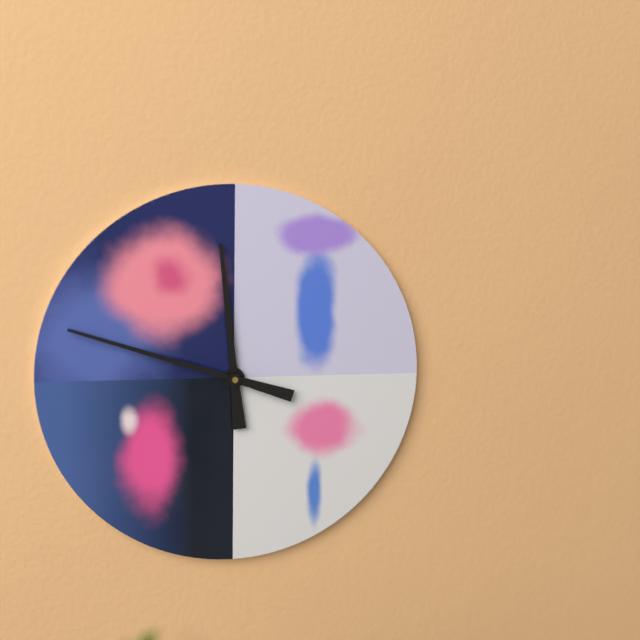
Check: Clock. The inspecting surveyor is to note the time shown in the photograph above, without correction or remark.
11:48
